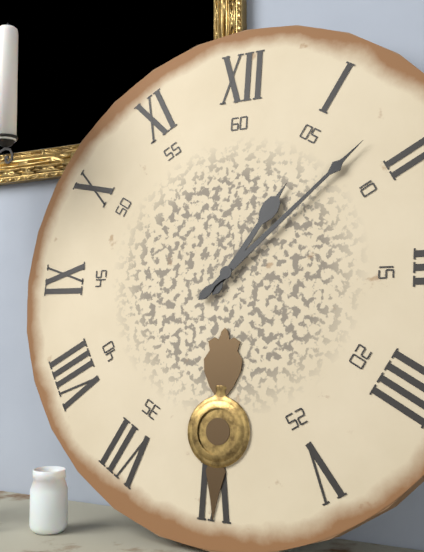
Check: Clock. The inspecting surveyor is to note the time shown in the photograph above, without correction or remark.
1:08
